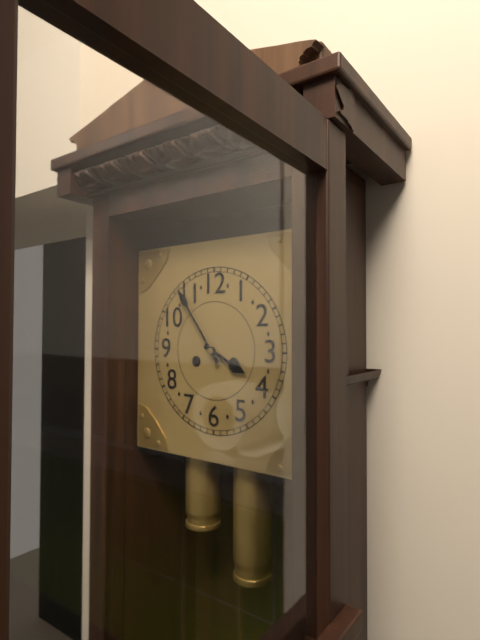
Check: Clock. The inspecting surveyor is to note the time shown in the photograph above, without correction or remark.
3:54
